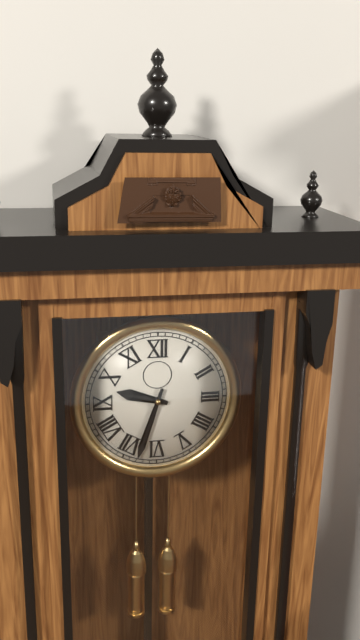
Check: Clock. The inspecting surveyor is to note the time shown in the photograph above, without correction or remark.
9:33
